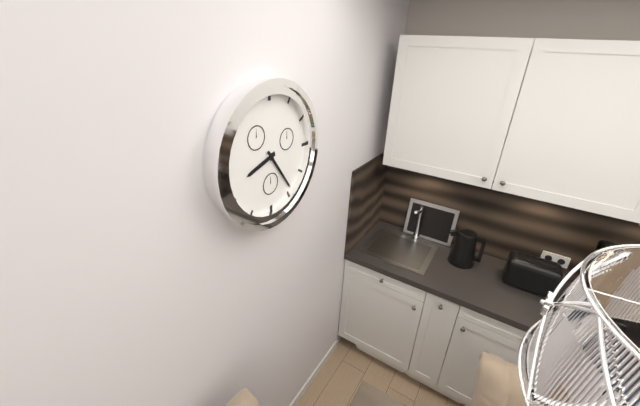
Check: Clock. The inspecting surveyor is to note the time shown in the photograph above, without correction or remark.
8:24
